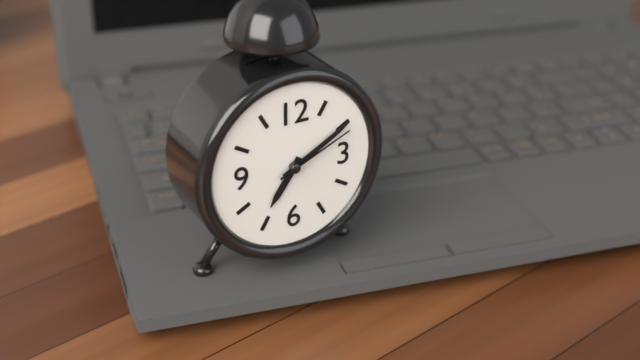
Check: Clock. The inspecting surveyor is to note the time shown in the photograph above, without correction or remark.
7:10:11
